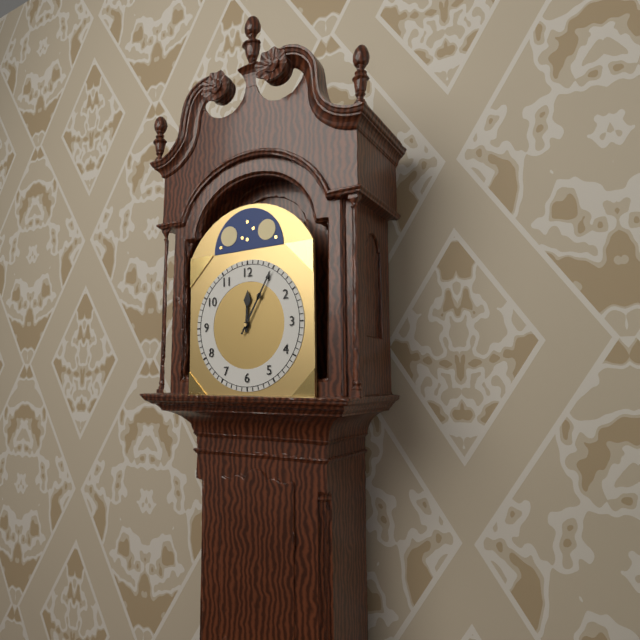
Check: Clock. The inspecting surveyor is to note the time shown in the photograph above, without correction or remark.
12:05
